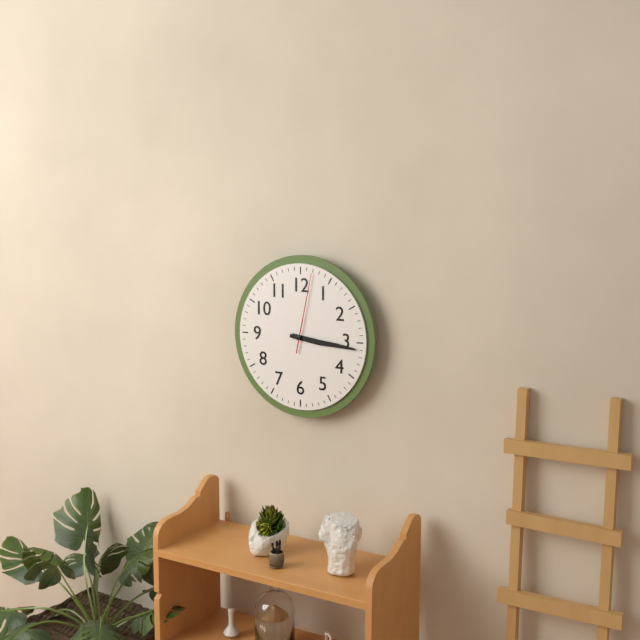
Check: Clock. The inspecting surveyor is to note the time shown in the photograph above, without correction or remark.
3:16:02
